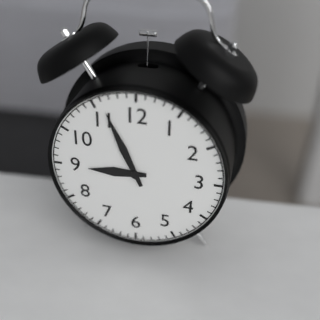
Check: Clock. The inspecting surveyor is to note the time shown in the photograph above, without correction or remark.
8:56
